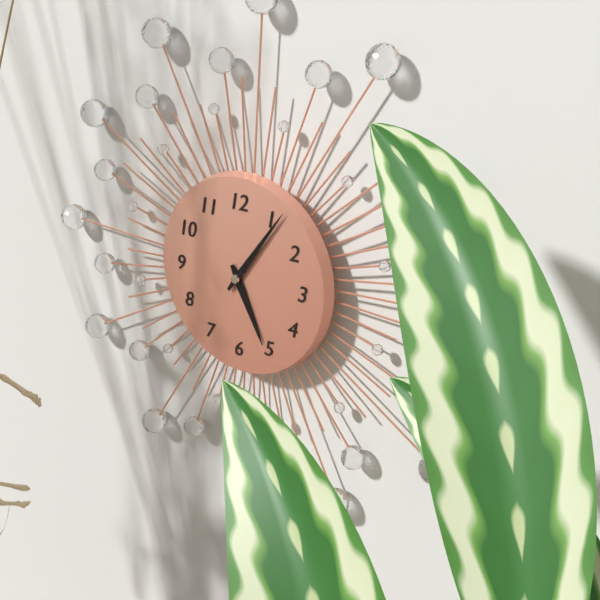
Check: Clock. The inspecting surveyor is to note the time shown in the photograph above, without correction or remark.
5:06
